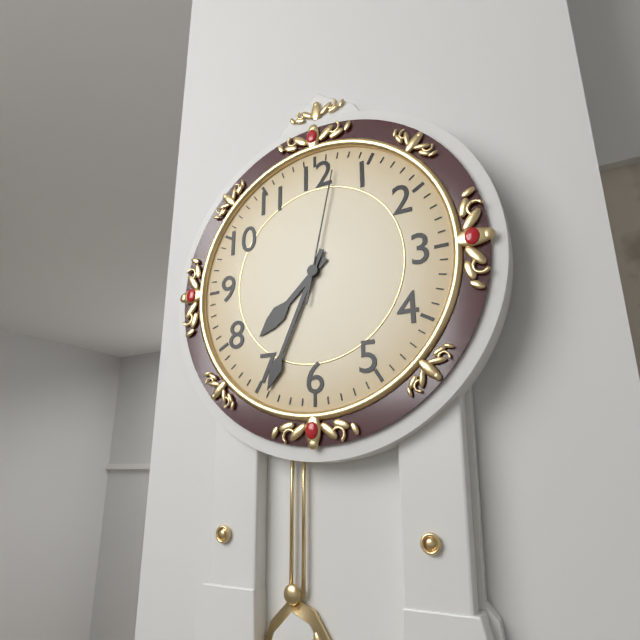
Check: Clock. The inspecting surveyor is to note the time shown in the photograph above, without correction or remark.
7:34:02
